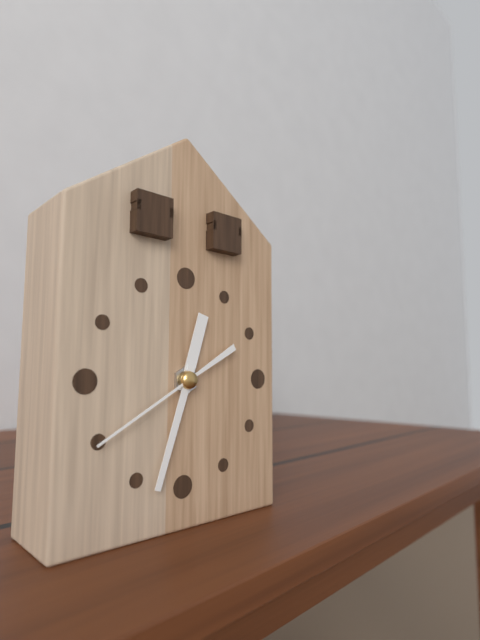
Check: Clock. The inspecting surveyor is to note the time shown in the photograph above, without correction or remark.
12:33:40
